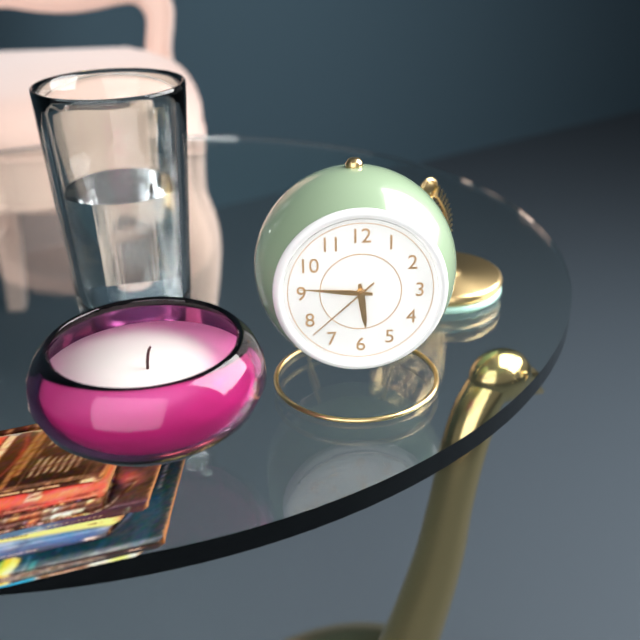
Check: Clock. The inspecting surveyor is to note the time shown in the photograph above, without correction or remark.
5:46:38
